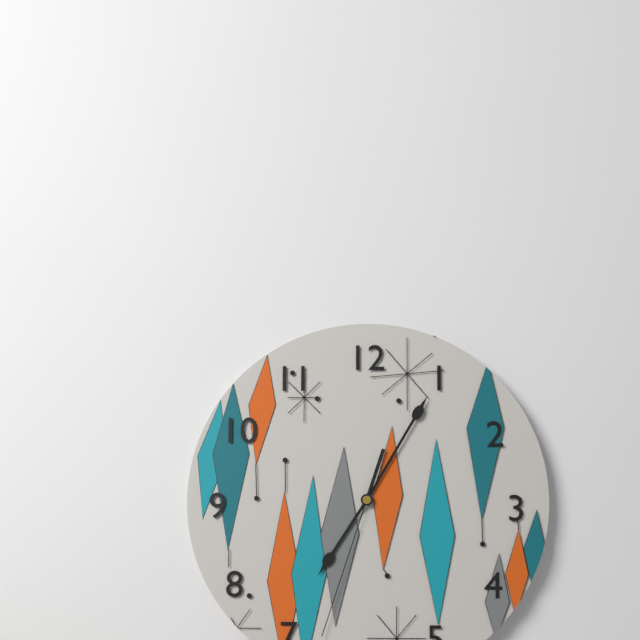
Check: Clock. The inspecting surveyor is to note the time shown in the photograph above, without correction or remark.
7:05:33
